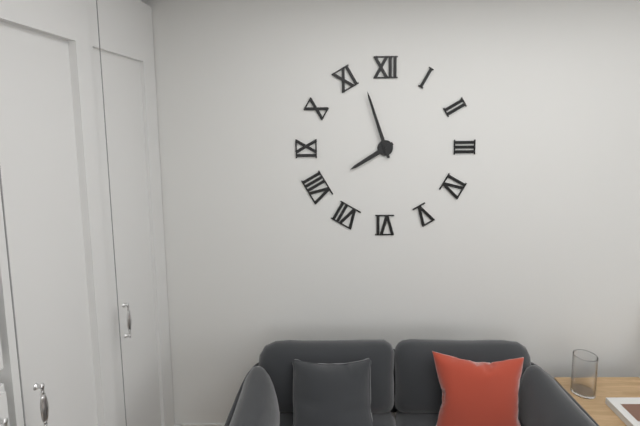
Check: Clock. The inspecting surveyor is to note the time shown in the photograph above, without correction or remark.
7:57
